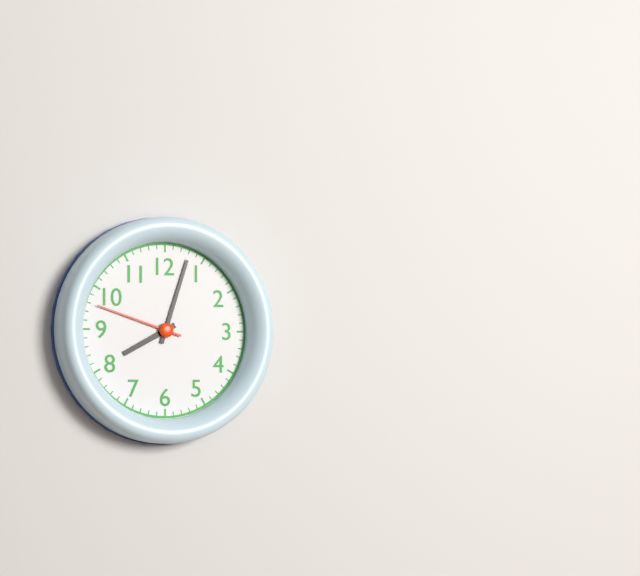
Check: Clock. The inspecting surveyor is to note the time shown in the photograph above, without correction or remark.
8:03:48
